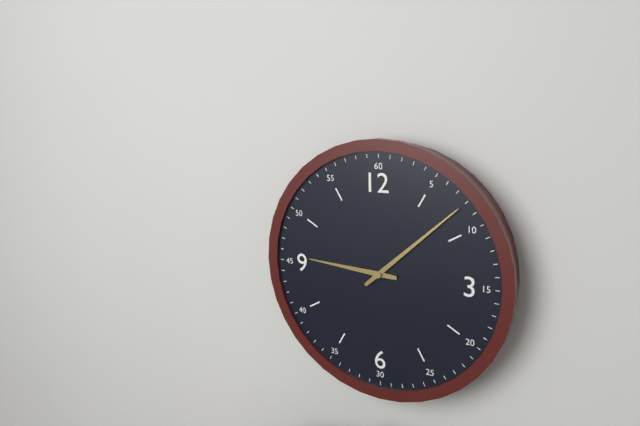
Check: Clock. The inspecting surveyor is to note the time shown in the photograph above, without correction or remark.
9:08
